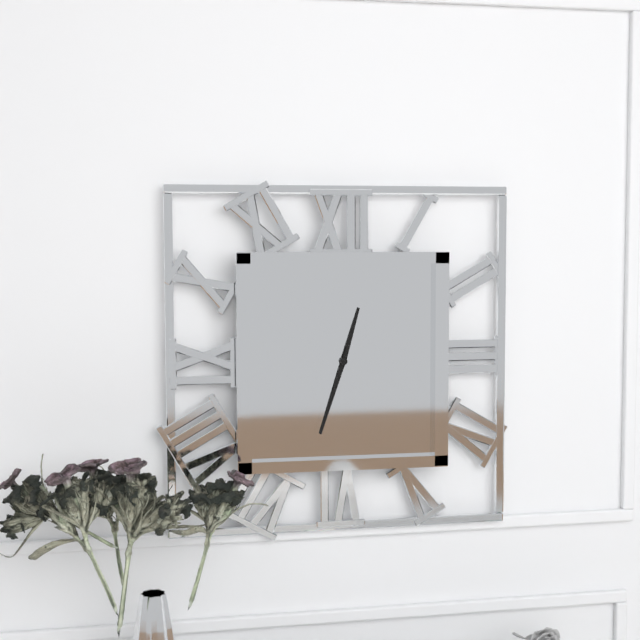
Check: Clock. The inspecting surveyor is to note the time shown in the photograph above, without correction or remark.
12:33
